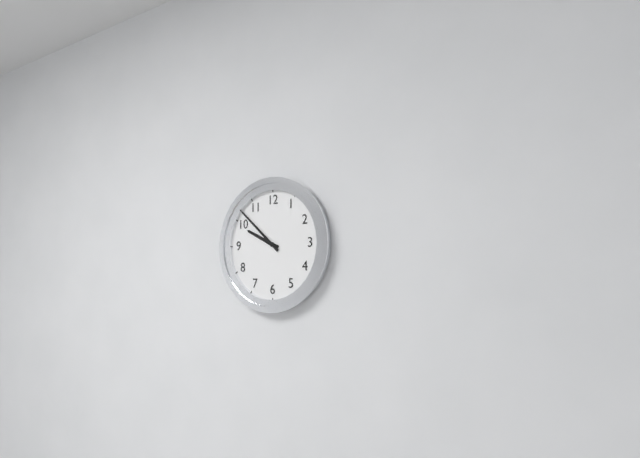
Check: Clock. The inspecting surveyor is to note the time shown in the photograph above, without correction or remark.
9:52
